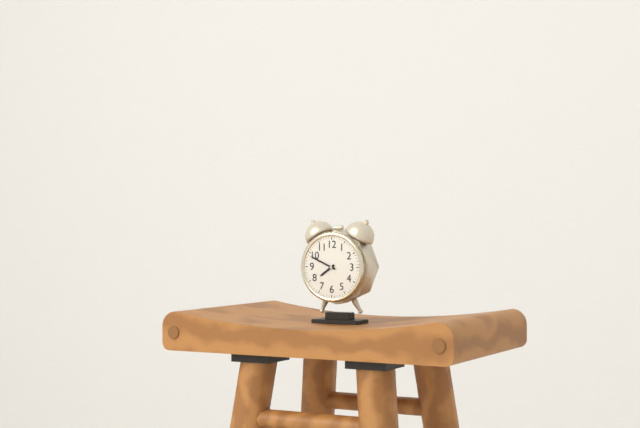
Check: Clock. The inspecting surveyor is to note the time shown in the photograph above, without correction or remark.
7:49
